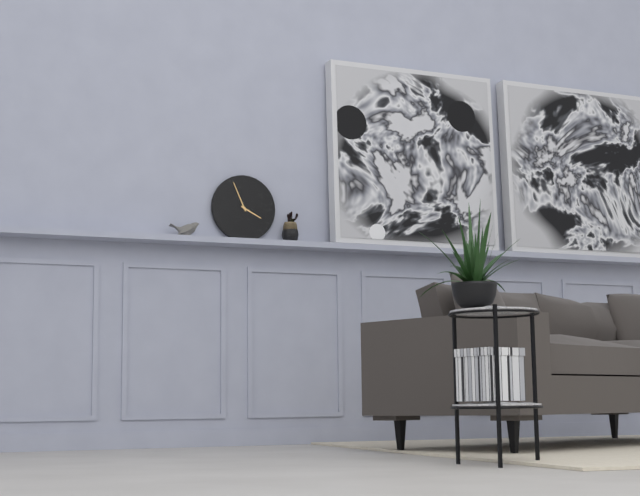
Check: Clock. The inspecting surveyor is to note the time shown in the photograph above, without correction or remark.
3:56
